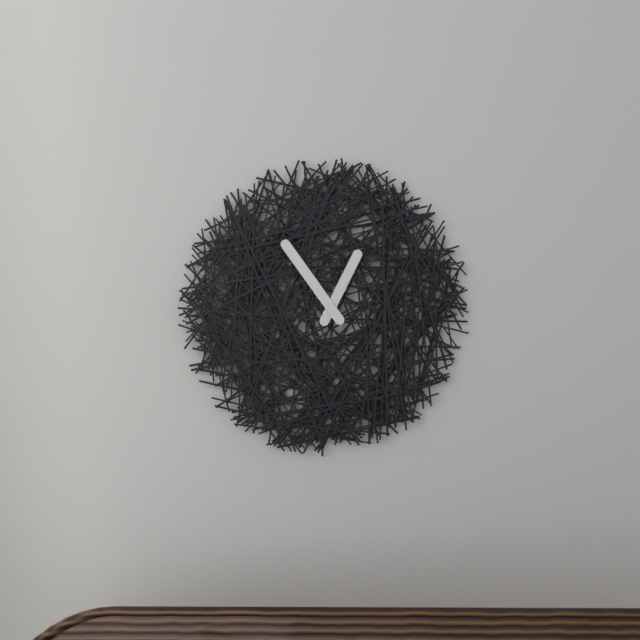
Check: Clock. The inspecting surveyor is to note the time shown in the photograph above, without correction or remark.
12:54
